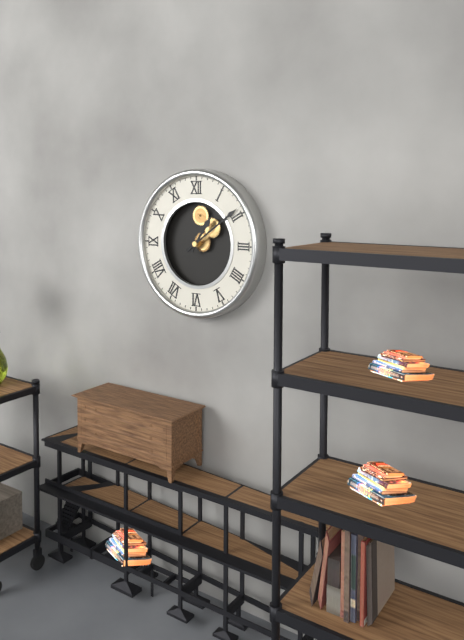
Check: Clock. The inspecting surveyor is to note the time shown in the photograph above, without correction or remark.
1:09
